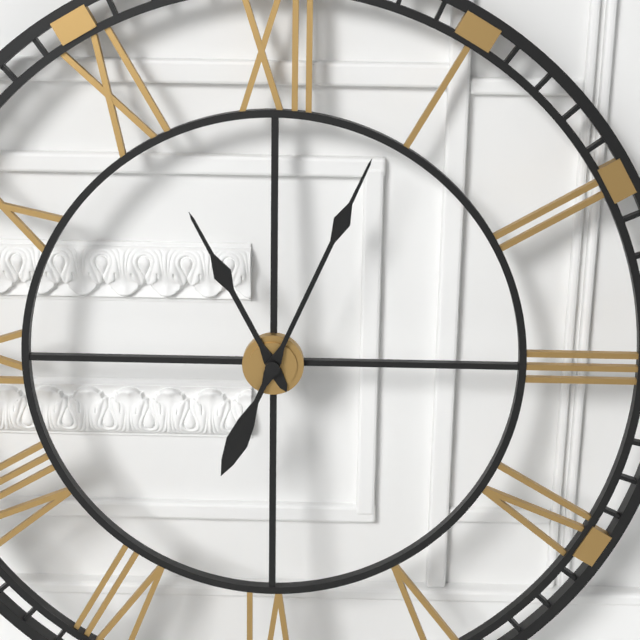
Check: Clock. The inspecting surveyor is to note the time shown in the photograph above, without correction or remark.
11:04
